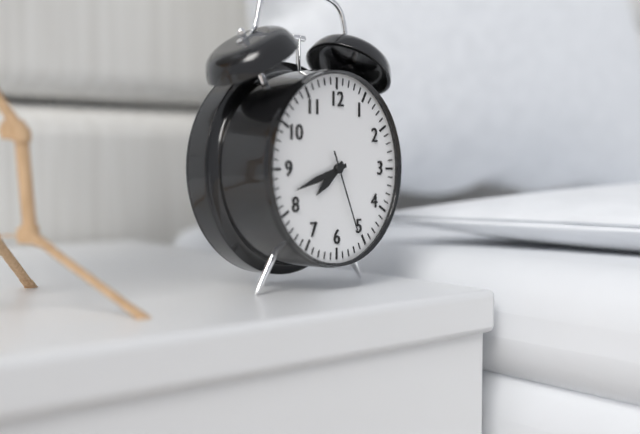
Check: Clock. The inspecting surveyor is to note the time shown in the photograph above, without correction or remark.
7:42:26
